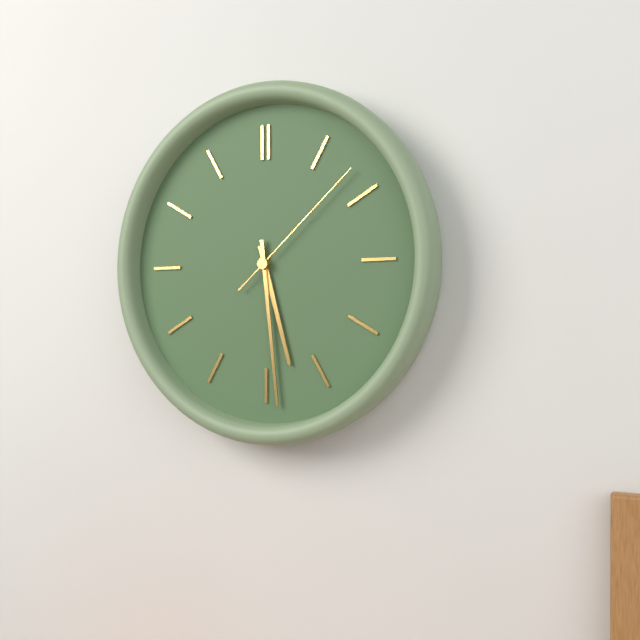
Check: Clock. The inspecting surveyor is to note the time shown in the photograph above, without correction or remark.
5:29:08
